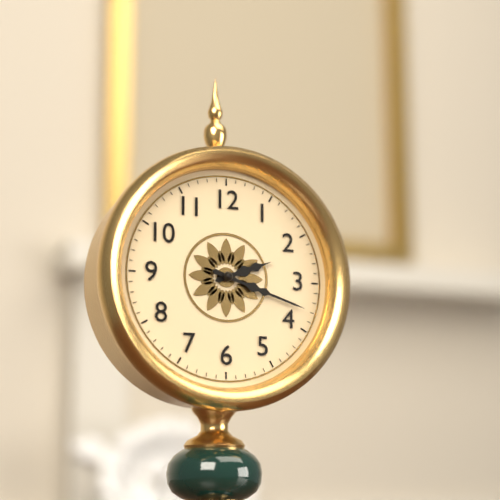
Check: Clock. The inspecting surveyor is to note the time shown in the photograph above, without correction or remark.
2:18
